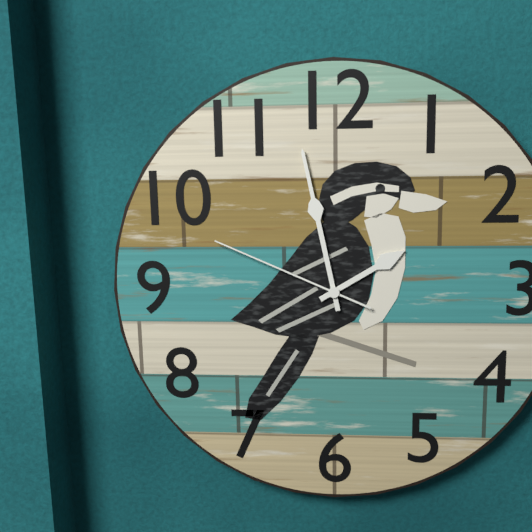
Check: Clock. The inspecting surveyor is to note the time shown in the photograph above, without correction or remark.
1:58:49
